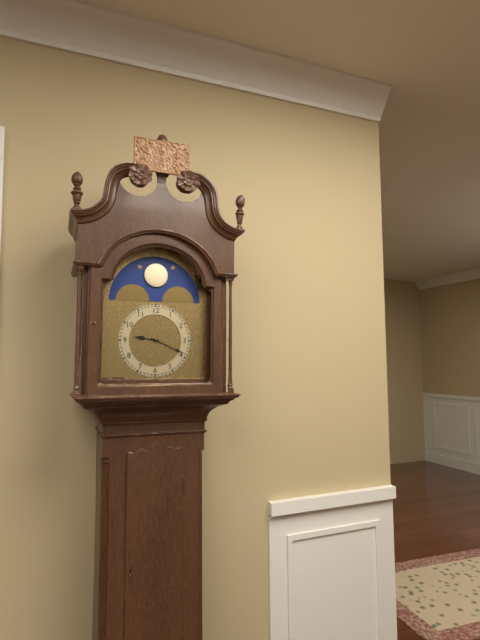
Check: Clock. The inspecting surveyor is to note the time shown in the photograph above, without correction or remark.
9:19
